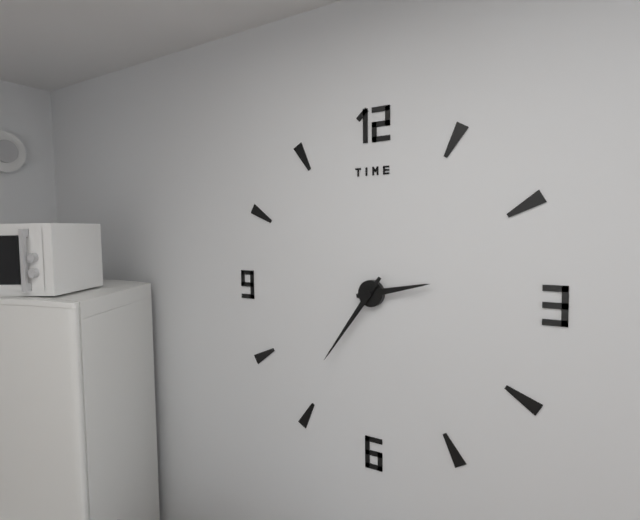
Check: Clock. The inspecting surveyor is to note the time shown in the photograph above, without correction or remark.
2:36
